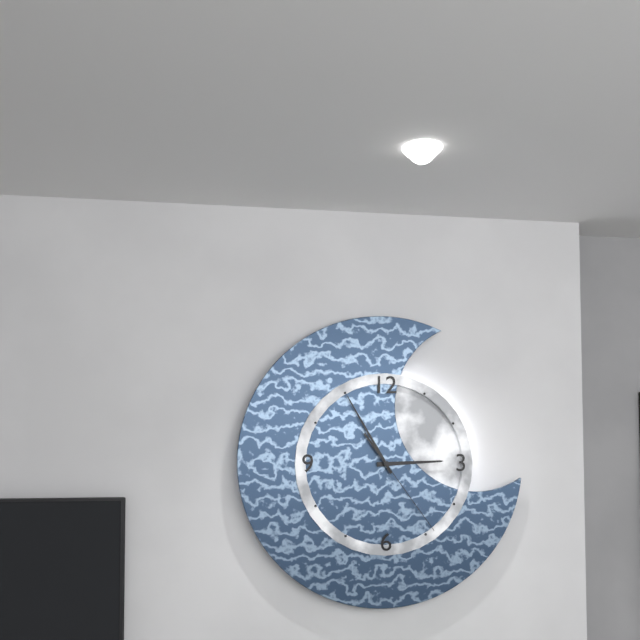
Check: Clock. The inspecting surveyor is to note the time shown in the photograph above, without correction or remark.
2:55:24
